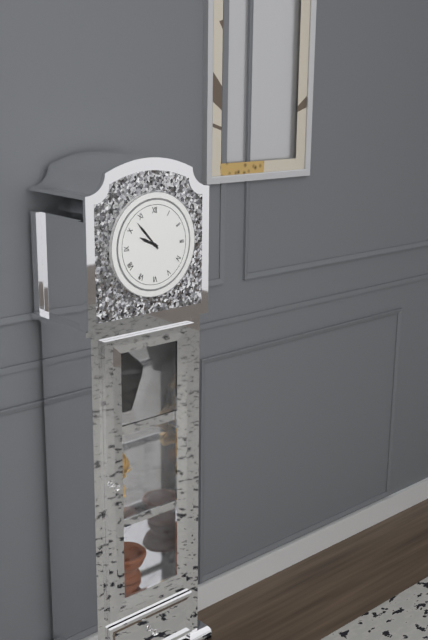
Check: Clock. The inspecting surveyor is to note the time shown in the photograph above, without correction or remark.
9:53
